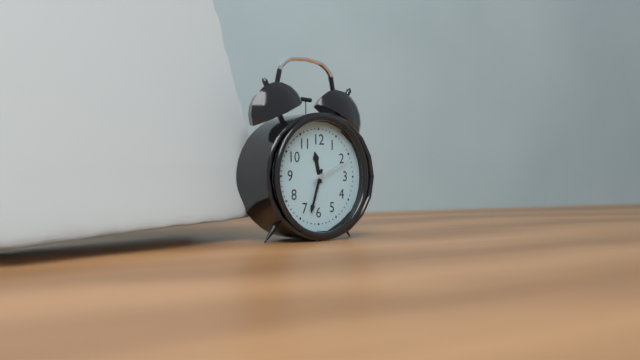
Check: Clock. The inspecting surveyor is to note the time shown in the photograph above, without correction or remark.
11:33
